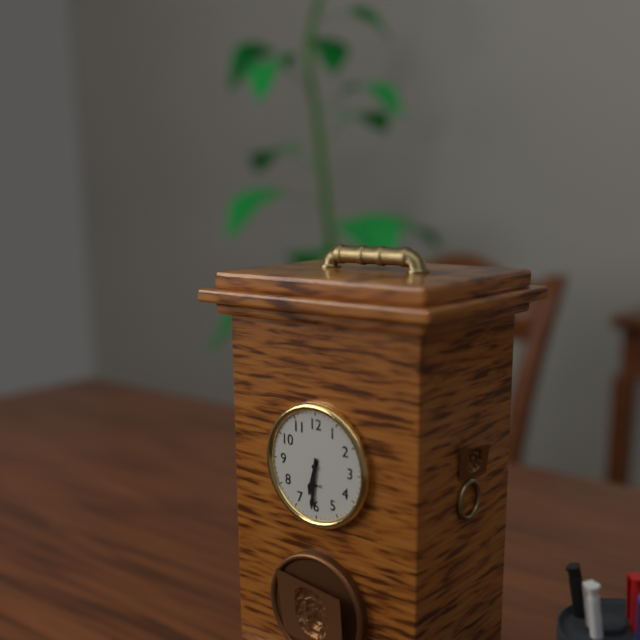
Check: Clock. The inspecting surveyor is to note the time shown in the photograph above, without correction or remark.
6:31
